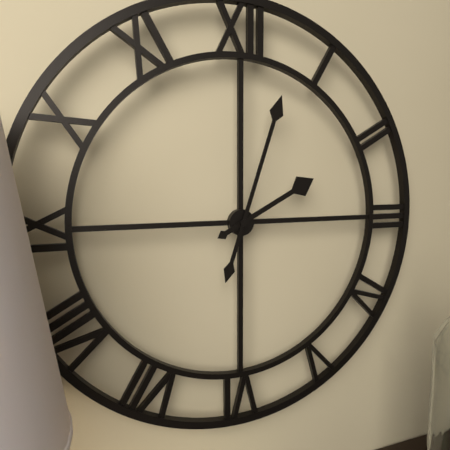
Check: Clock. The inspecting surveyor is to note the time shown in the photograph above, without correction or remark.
2:03
